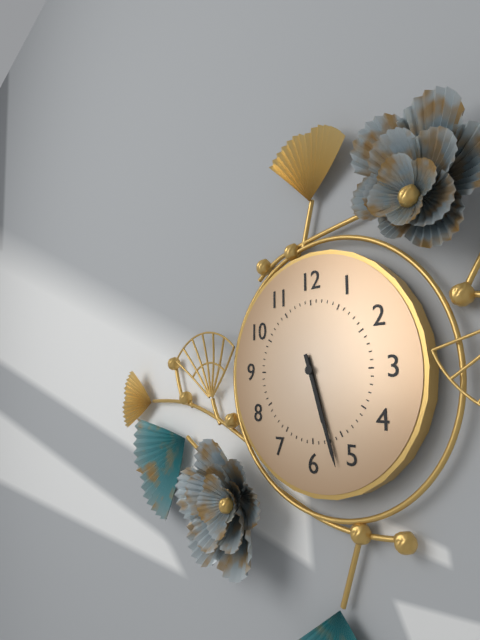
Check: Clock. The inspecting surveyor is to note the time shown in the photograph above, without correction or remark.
5:27
